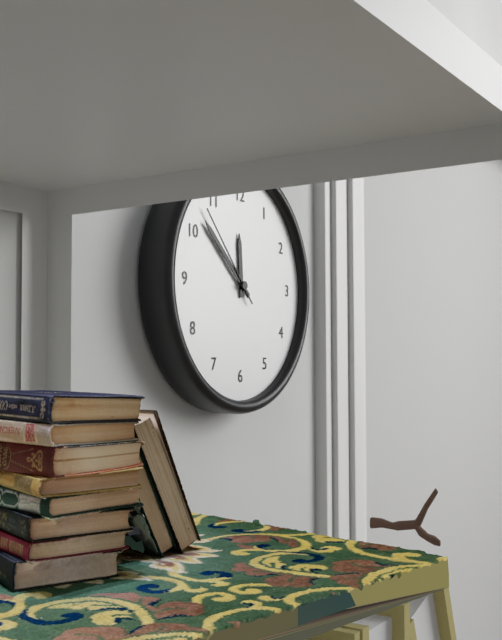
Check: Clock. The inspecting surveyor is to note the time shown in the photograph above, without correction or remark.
11:52:53
